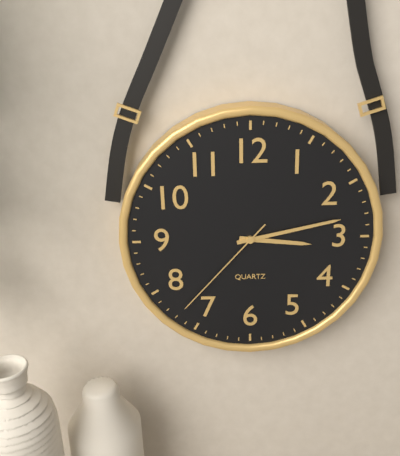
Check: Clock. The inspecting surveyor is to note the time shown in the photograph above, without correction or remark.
3:13:37
